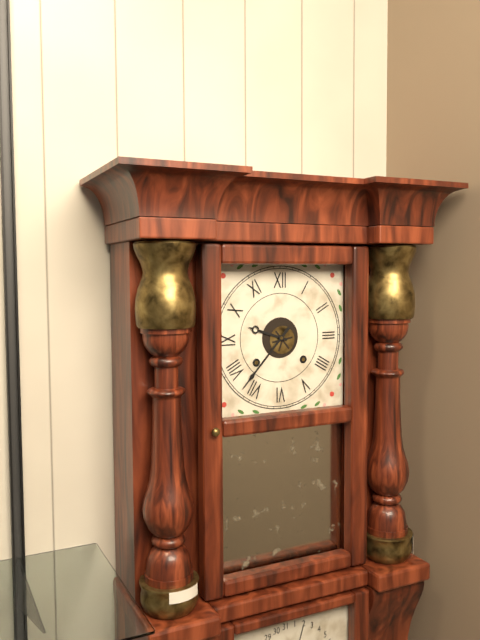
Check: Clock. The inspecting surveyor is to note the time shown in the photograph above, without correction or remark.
9:37
